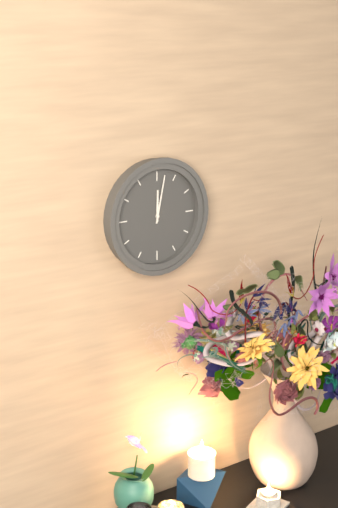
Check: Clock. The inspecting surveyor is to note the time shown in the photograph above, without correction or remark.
12:02
